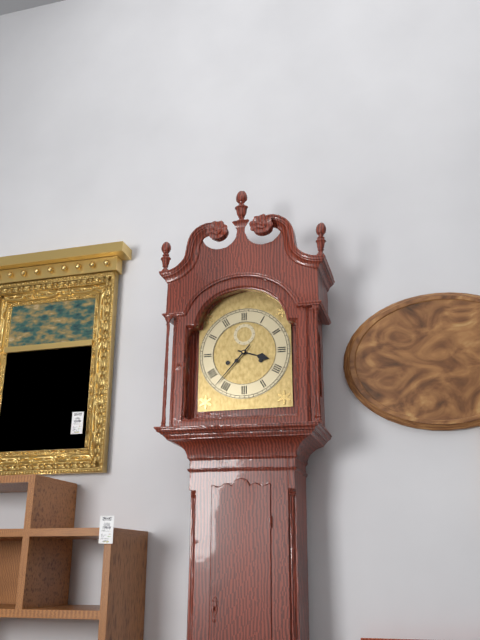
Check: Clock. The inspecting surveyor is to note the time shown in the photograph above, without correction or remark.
3:37
